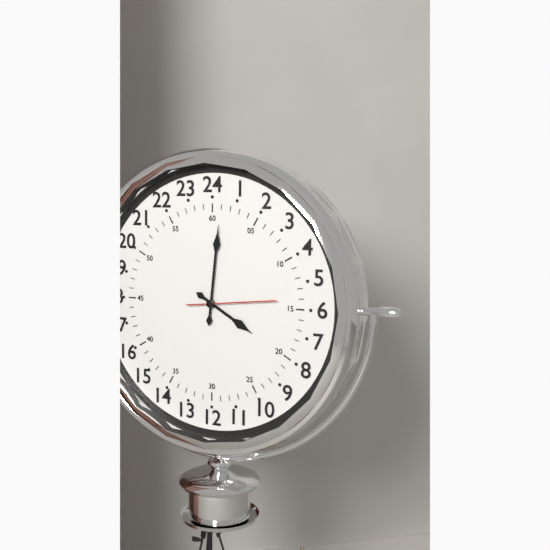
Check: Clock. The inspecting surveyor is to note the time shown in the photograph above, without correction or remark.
4:01:14
